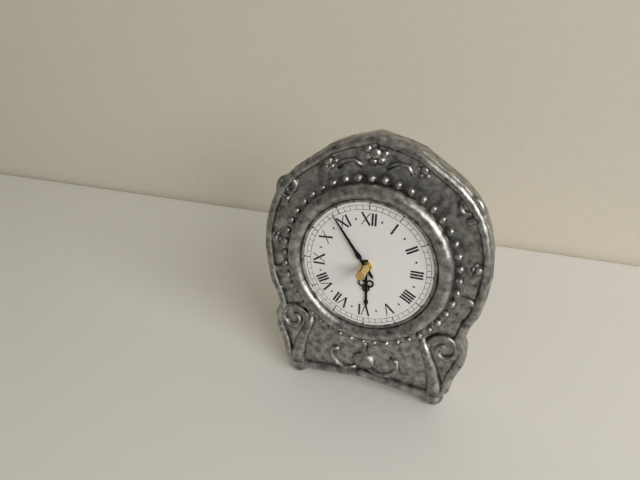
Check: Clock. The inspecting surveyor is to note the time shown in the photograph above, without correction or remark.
5:54
